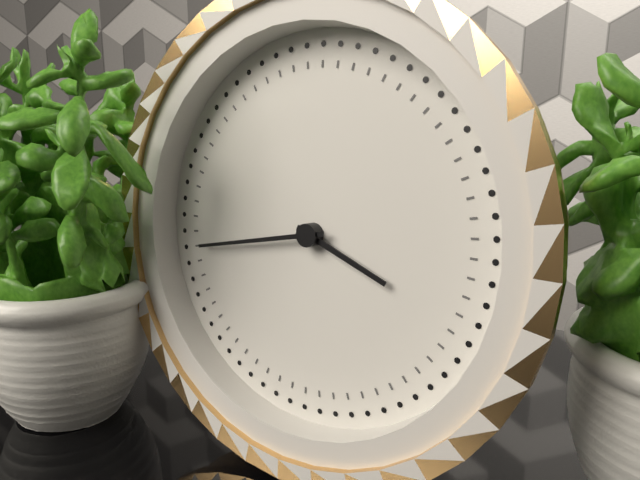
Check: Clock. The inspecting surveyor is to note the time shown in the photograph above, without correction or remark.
3:43
